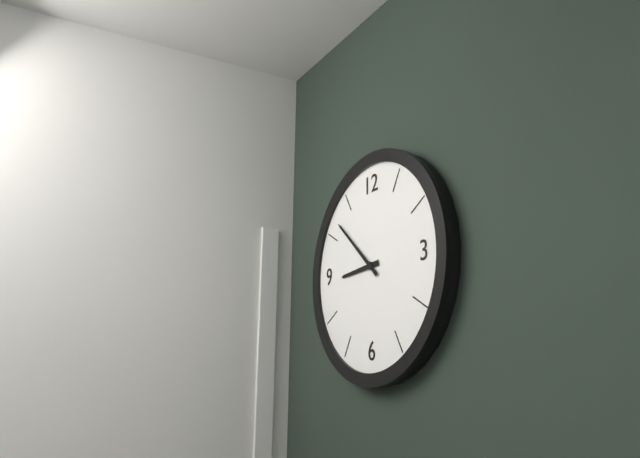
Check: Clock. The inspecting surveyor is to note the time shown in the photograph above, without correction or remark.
8:52
